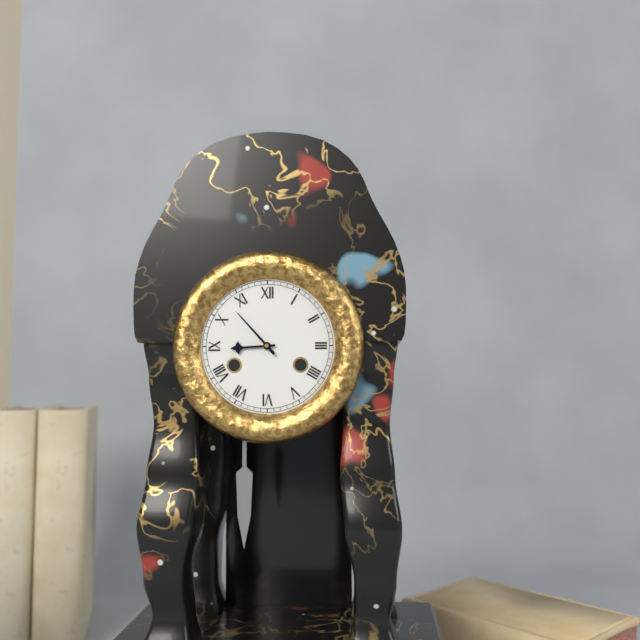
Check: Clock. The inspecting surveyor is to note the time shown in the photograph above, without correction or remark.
8:53
